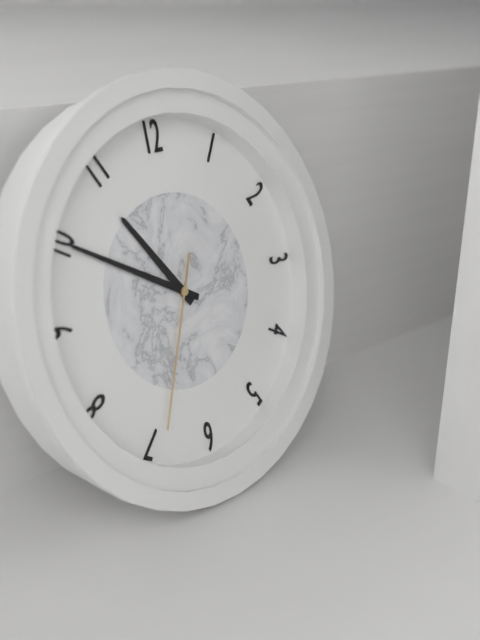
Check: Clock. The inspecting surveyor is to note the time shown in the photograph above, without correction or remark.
10:50:34
